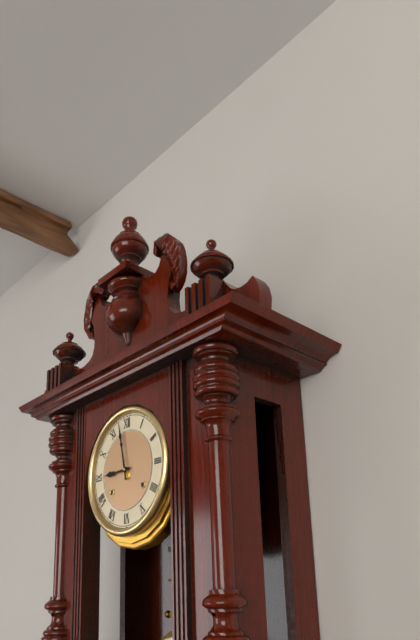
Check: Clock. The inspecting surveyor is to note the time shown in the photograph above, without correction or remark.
8:58
